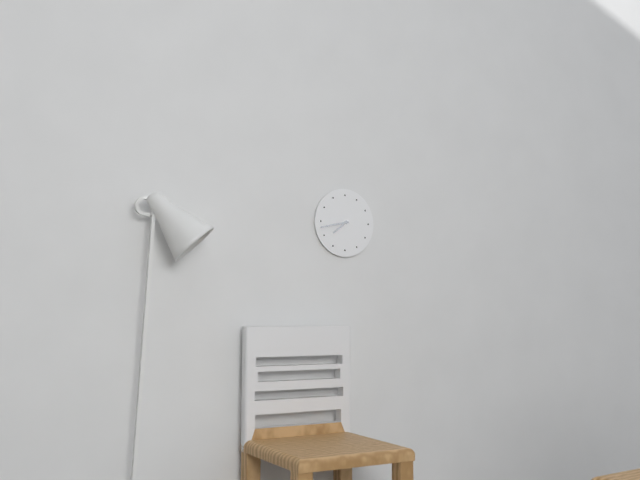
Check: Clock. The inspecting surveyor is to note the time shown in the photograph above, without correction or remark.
7:43
